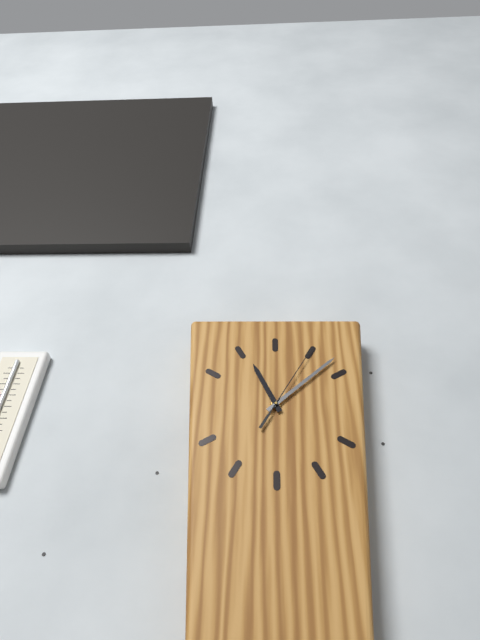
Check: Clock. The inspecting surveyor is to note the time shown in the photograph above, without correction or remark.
11:08:05
